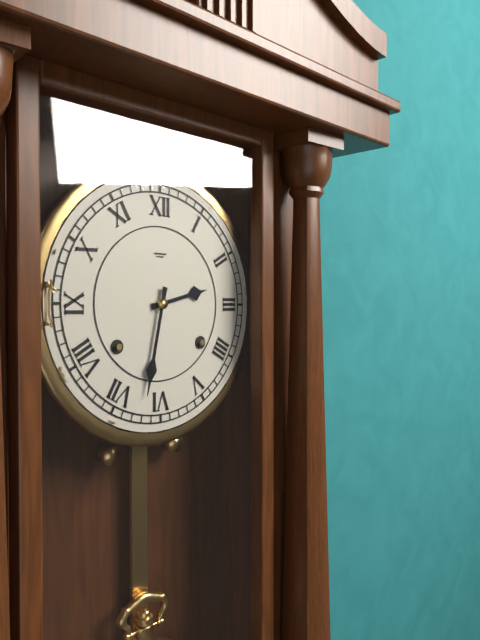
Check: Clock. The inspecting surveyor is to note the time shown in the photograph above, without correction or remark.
2:32
